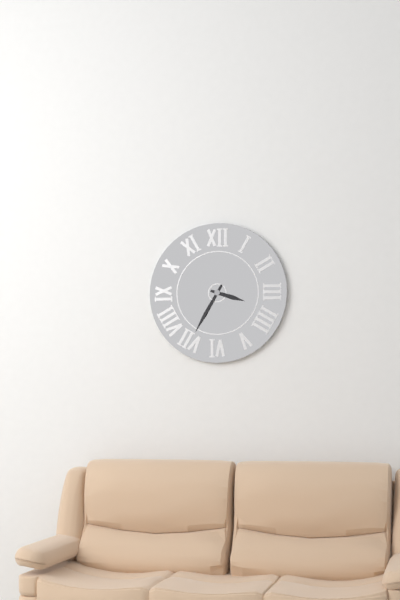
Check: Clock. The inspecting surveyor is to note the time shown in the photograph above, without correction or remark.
3:35
